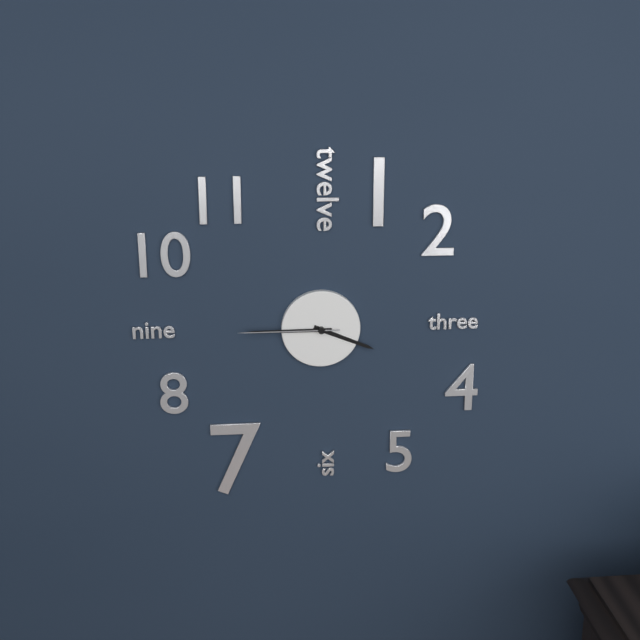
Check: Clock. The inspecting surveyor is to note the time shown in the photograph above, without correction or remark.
3:45:45
